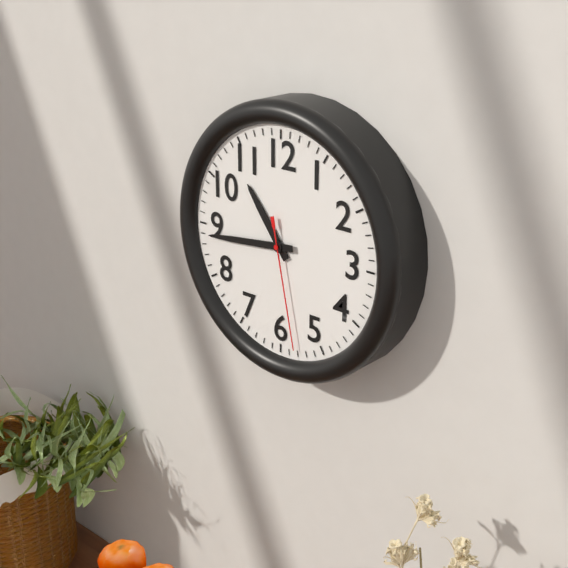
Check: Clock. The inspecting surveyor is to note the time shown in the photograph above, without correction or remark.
10:44:28
